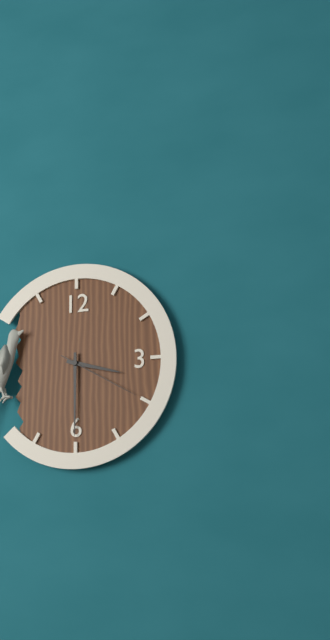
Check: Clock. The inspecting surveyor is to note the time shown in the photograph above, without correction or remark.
3:30:20
